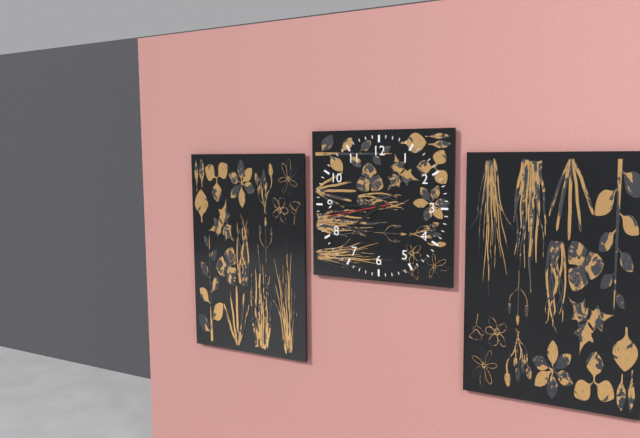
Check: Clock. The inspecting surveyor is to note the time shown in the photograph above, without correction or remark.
7:45:43
